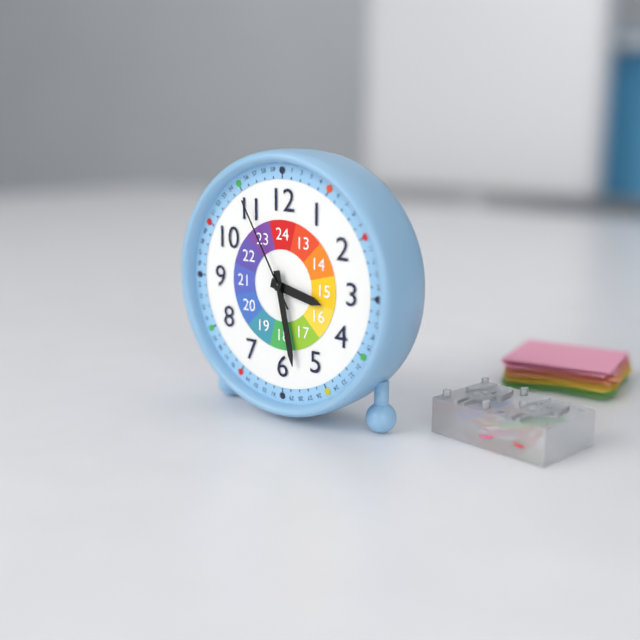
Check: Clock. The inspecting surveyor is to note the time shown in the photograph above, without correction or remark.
3:28:55
